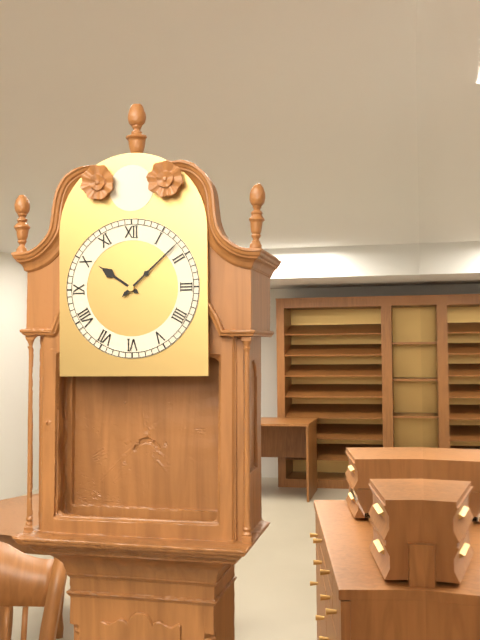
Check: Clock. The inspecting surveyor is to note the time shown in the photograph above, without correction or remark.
10:08
